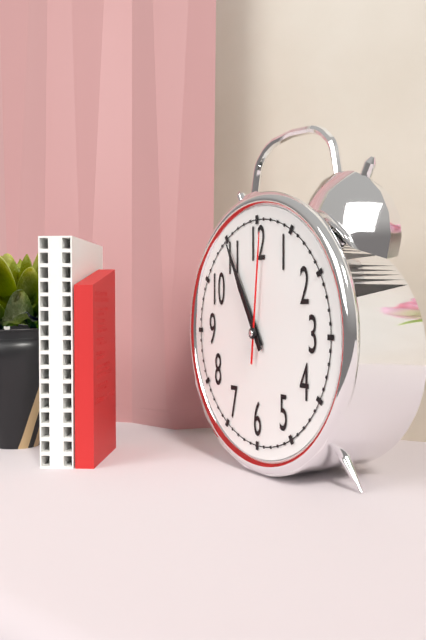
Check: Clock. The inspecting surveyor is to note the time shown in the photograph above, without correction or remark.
10:55:01
